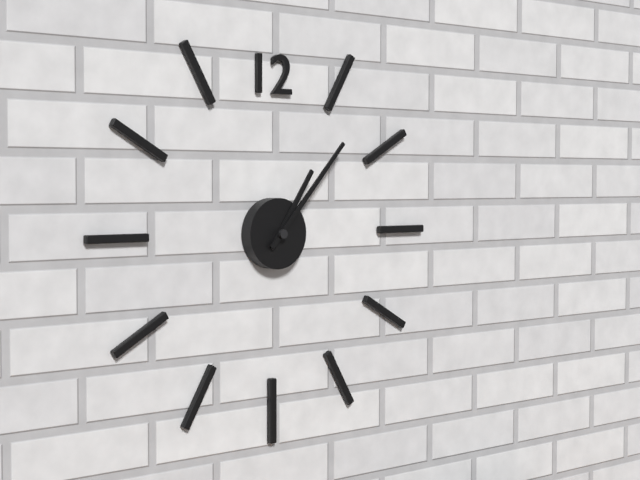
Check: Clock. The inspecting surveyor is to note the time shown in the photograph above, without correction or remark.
1:07
